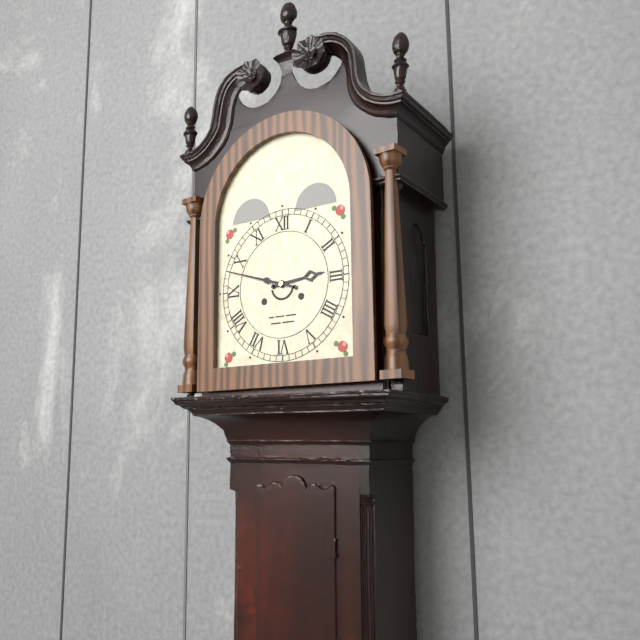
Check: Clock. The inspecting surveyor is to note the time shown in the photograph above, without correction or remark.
2:48
